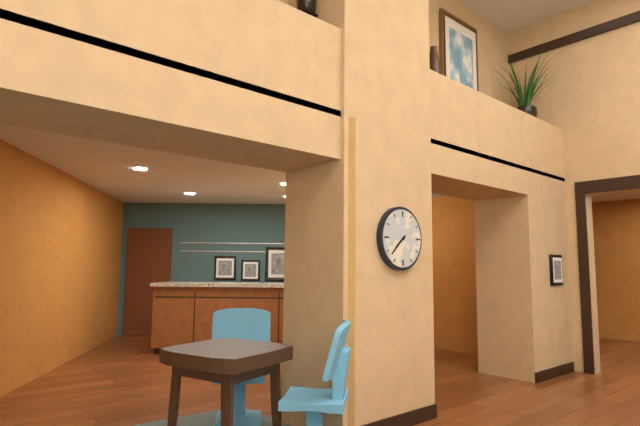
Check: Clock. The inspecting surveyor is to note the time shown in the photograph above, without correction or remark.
7:38
